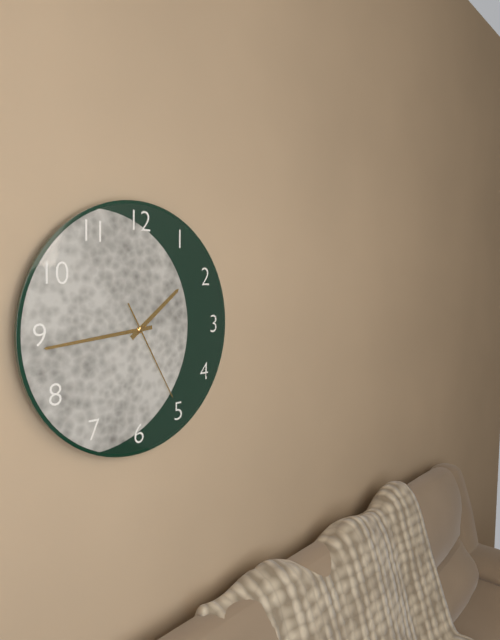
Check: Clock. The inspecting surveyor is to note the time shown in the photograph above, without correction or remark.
1:44:25
